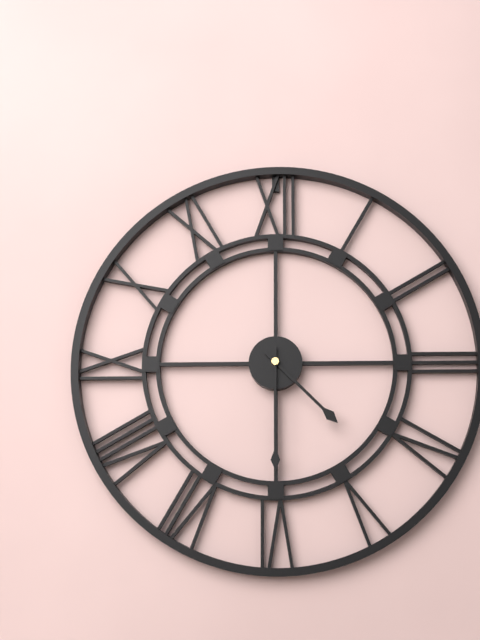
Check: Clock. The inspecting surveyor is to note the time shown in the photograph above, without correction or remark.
4:30
